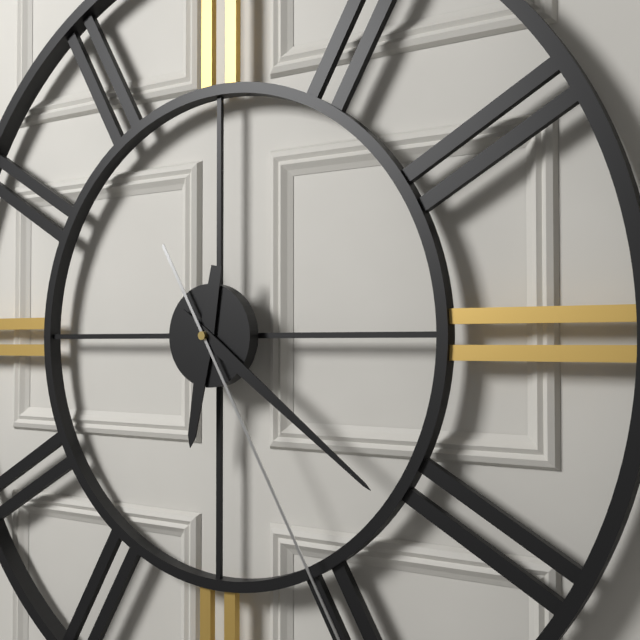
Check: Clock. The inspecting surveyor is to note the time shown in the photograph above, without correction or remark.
6:21
